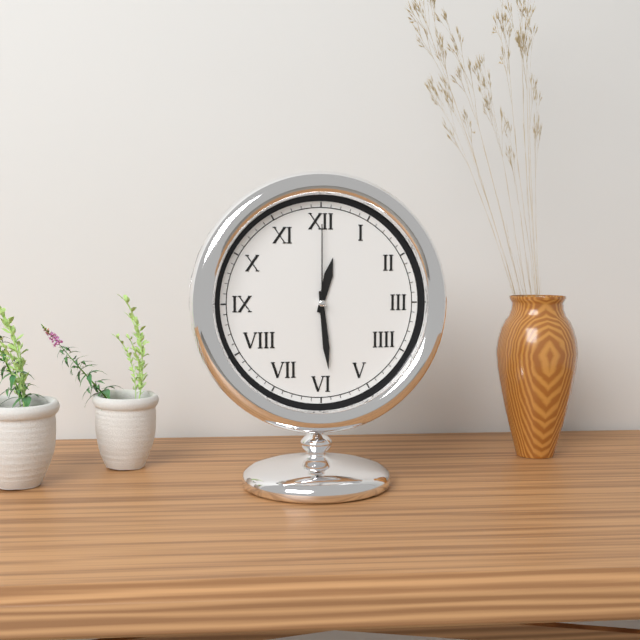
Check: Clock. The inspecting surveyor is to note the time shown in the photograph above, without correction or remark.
12:29:00
